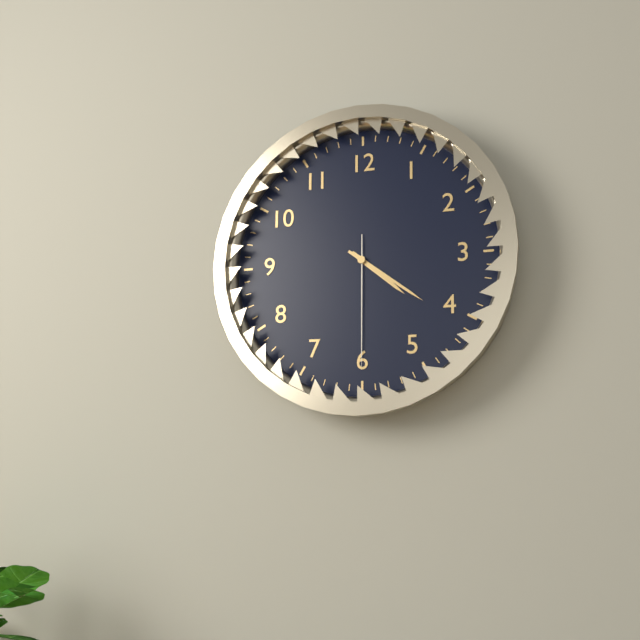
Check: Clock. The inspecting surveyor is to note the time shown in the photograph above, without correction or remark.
4:21:30
